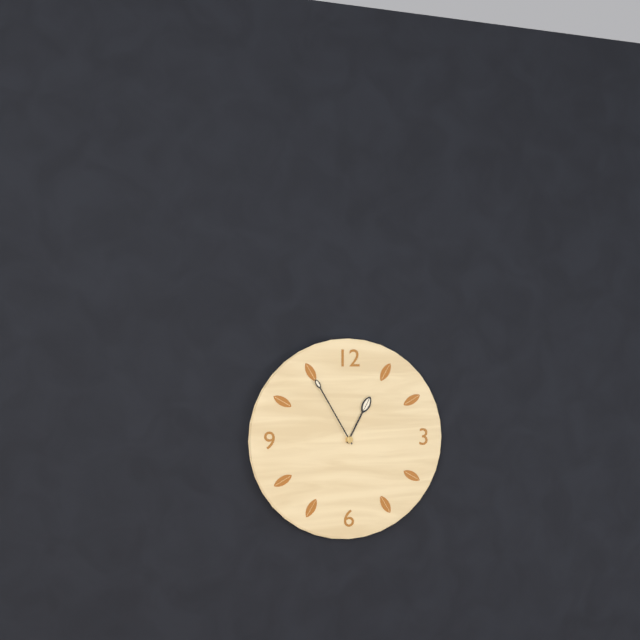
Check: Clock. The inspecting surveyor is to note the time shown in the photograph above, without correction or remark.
12:55
